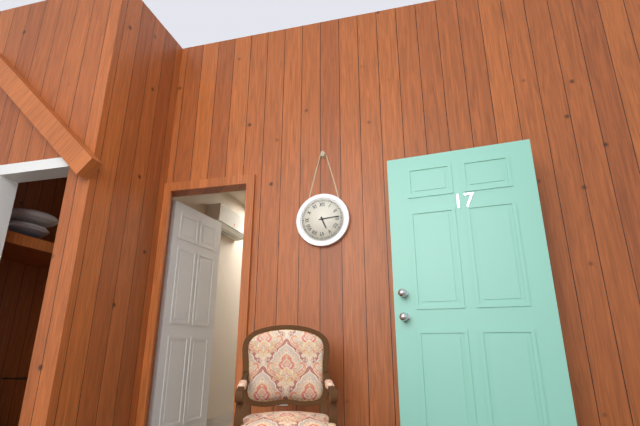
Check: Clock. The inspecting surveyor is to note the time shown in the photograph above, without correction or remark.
5:14
